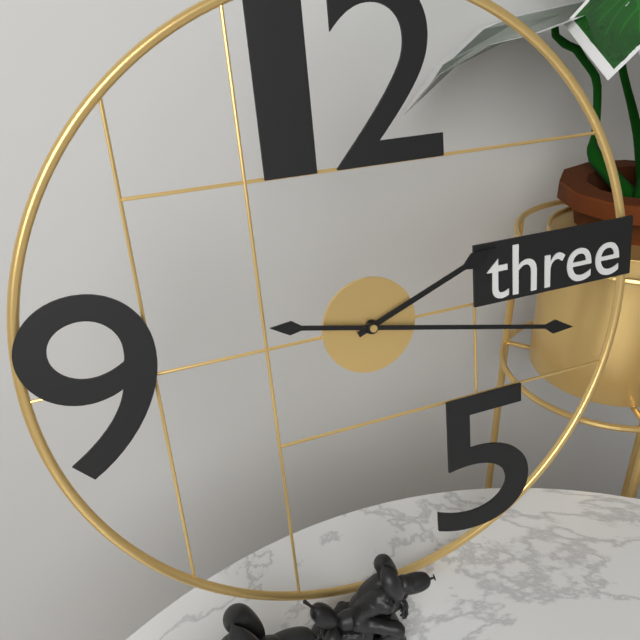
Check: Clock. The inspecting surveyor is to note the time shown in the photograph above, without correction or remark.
2:17
